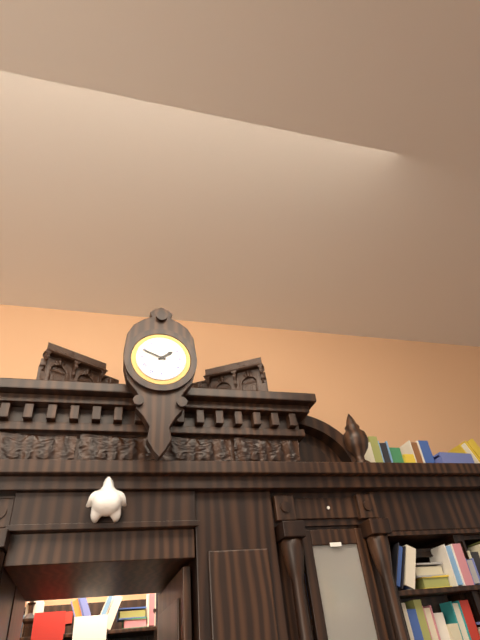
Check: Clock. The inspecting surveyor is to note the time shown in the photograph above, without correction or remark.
1:49
